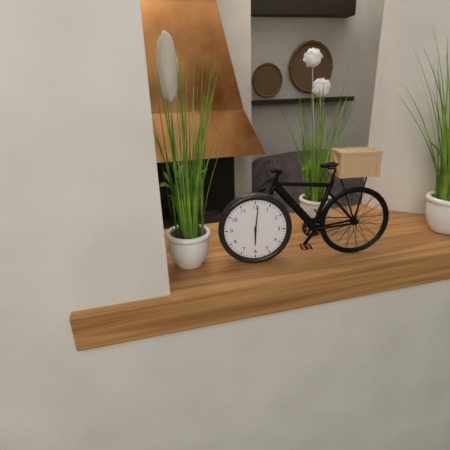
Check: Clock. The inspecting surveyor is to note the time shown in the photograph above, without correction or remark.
6:01
